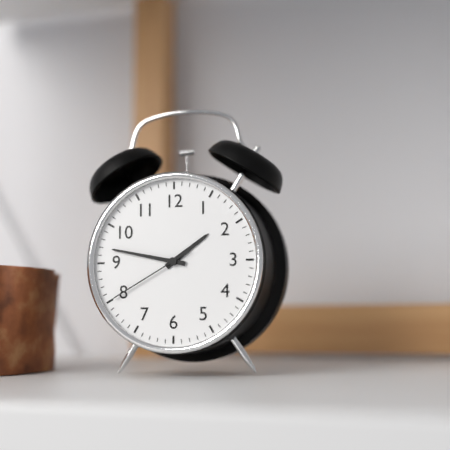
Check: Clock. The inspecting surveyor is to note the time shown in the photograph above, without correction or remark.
1:47:40
